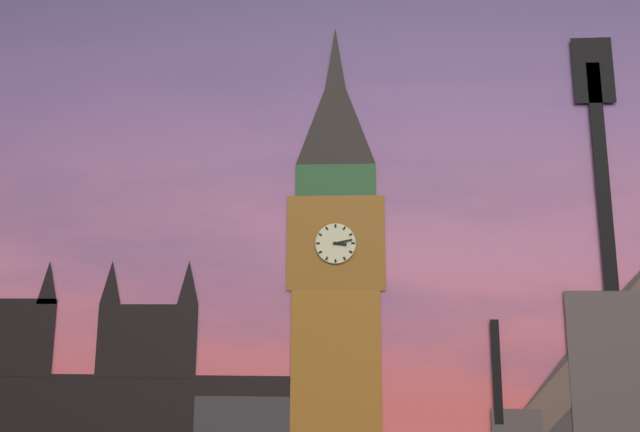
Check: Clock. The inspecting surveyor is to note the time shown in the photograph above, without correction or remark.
3:13
